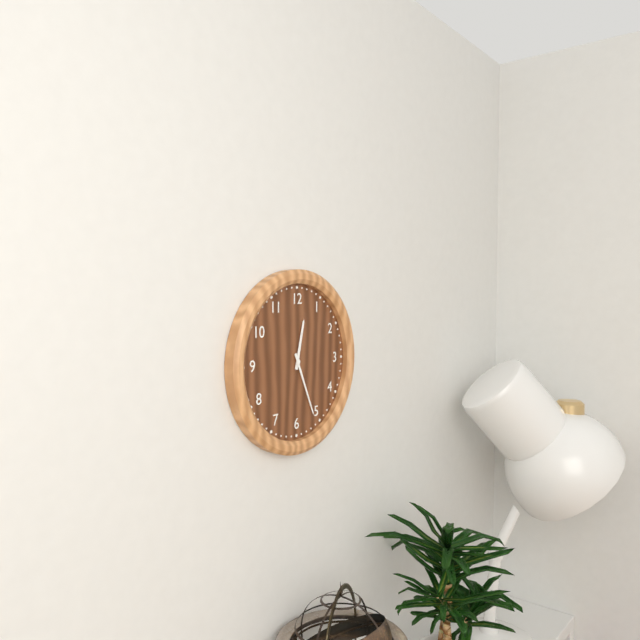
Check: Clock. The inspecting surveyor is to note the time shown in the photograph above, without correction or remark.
12:26
